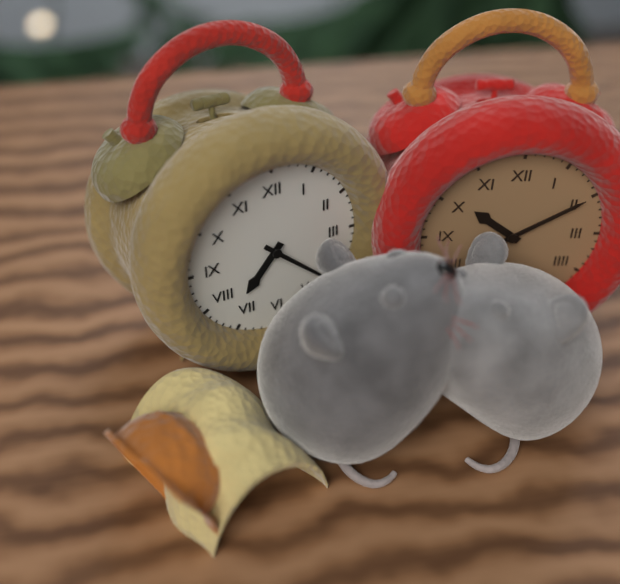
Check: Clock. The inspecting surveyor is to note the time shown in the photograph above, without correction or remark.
7:22
